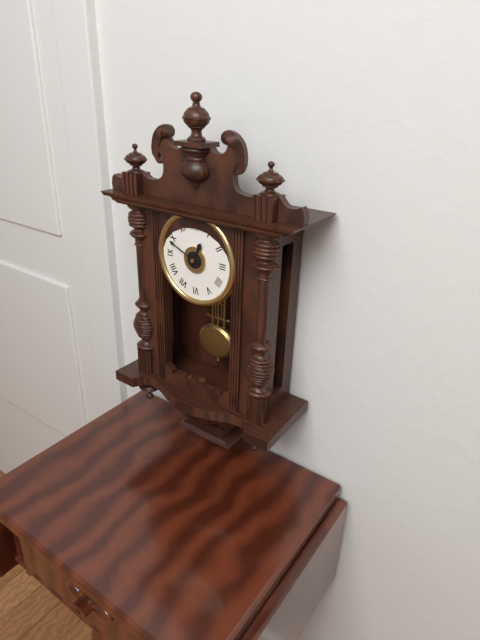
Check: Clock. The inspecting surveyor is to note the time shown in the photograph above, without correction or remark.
12:49
